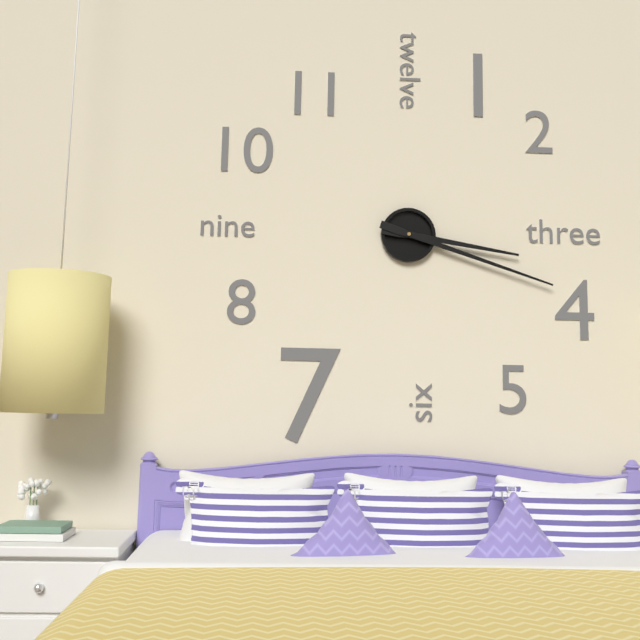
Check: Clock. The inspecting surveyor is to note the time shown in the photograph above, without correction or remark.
3:18
